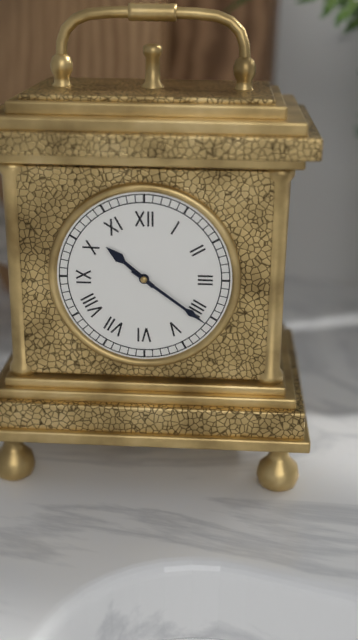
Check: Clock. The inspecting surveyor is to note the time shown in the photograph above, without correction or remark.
10:21
